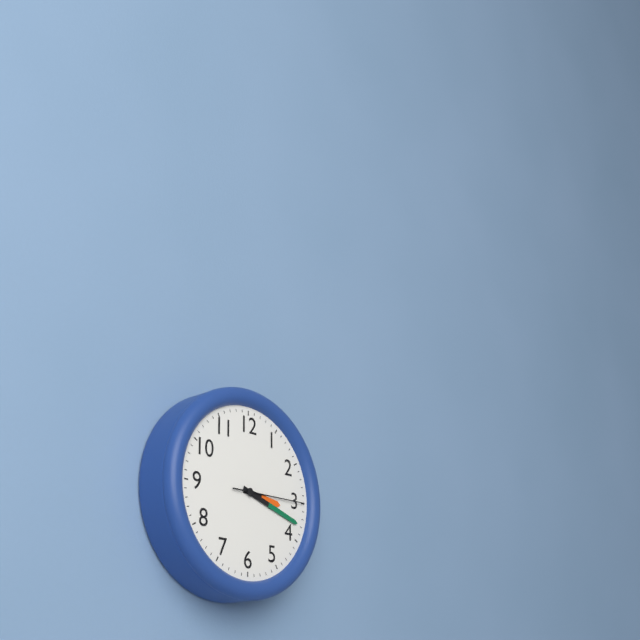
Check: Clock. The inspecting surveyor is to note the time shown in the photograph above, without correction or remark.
3:18:15
